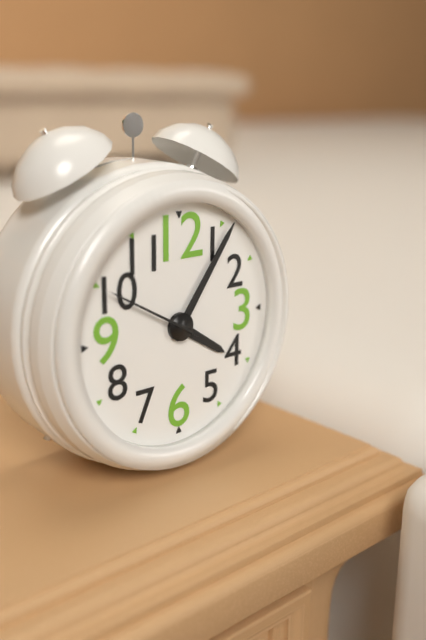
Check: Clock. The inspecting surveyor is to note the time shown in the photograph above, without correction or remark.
4:06:50
